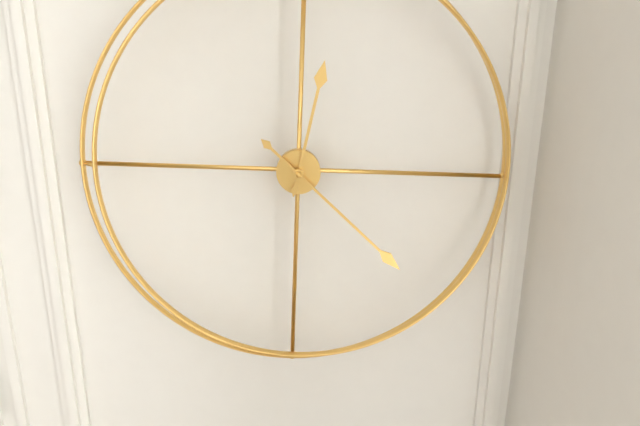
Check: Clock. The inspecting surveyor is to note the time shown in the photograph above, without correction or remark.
12:22
